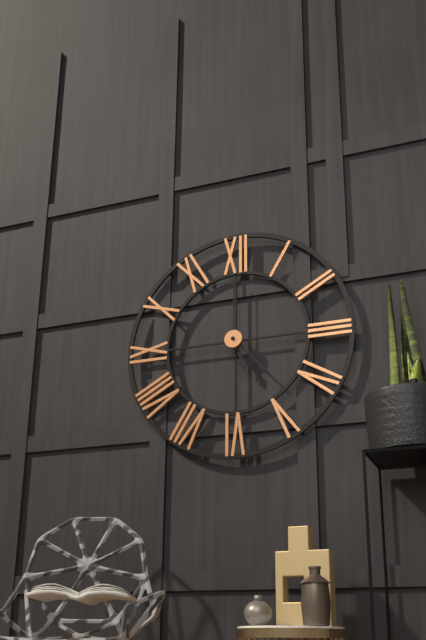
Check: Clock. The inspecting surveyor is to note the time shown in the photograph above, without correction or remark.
5:23:00
